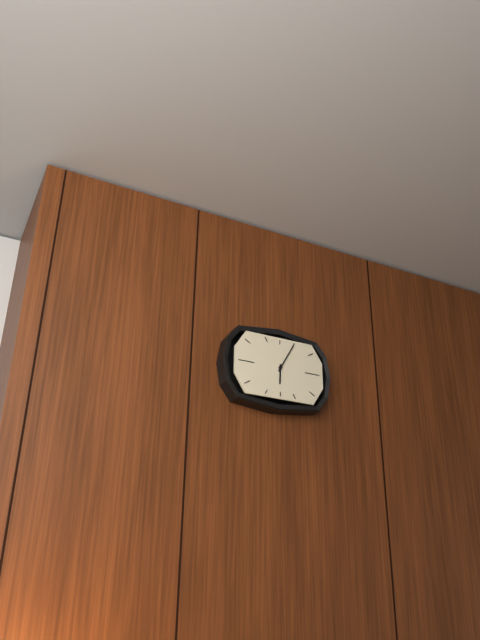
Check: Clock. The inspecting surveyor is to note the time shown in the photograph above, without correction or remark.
6:05
